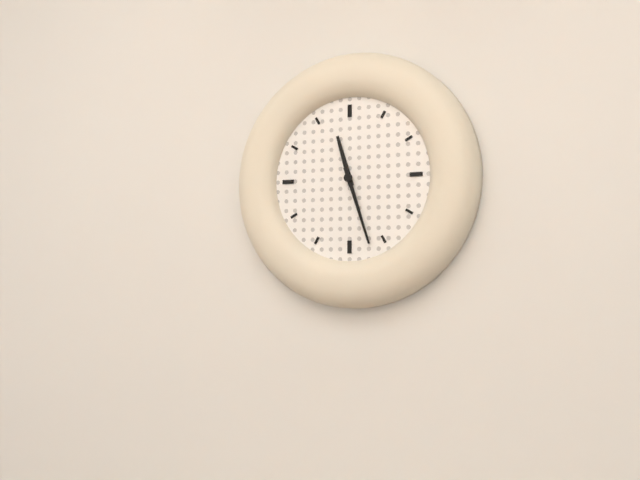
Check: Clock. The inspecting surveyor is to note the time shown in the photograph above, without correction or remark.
11:27
